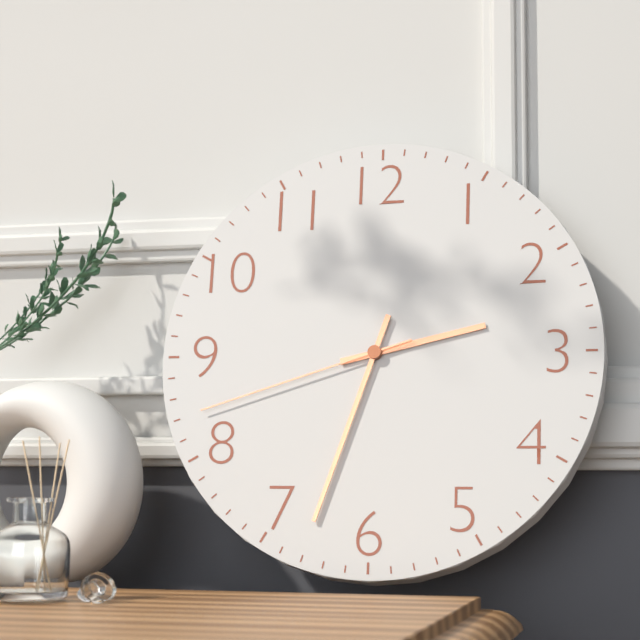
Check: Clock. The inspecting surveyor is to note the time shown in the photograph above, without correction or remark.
2:33:42
